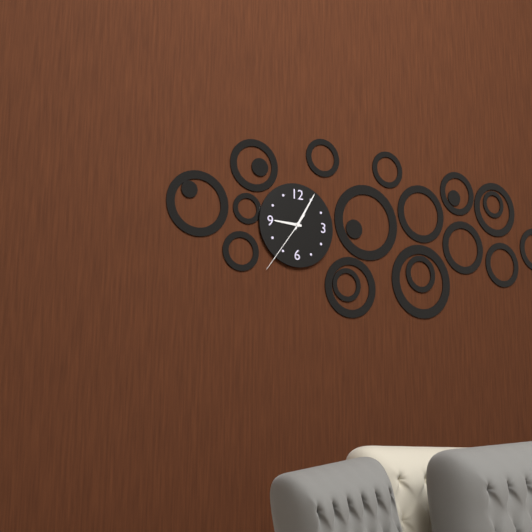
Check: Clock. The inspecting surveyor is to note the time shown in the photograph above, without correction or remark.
9:05:36
